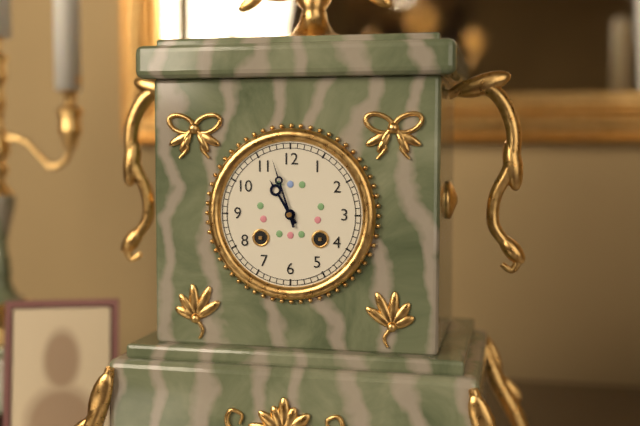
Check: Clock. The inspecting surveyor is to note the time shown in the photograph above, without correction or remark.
10:57
